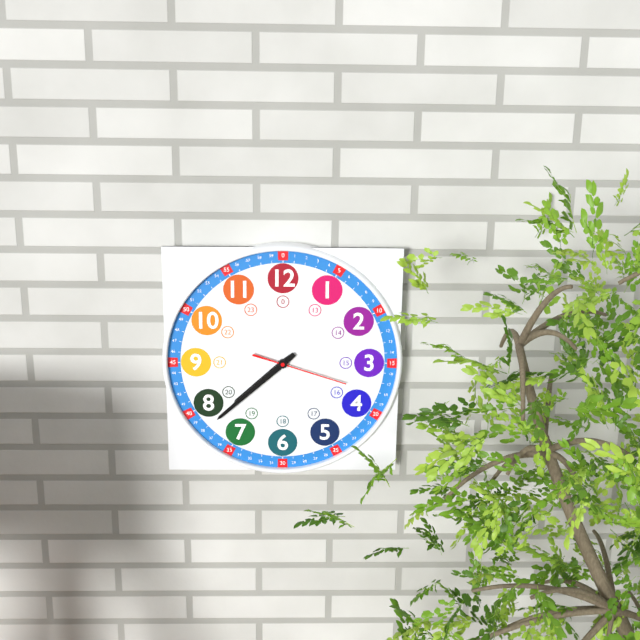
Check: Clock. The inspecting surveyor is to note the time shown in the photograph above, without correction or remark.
7:38:18
